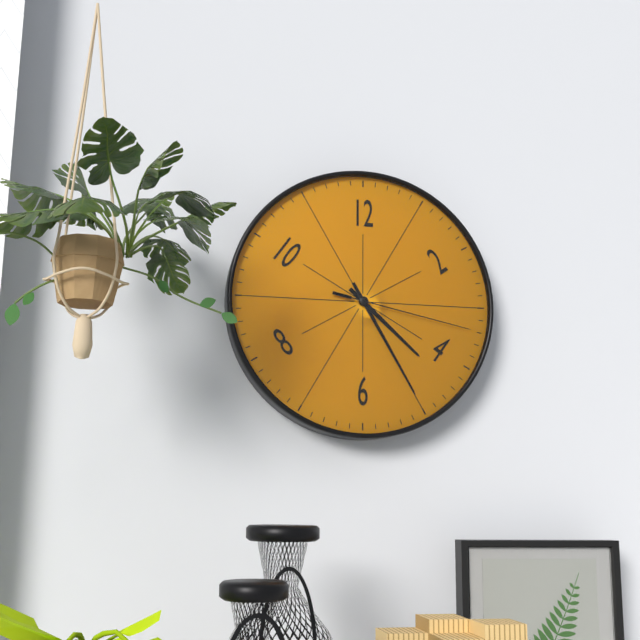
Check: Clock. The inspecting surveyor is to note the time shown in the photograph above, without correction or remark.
4:25:17
